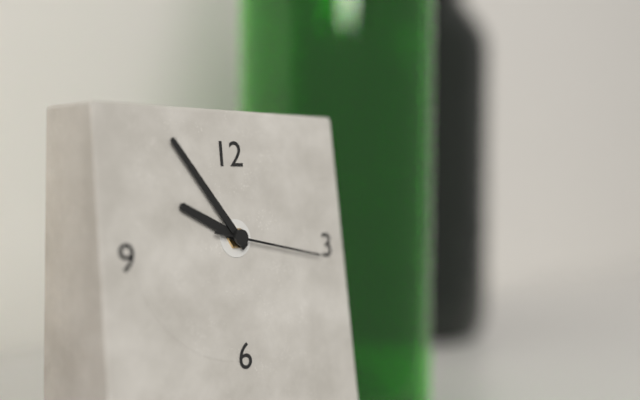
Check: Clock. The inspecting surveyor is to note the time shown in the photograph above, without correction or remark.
9:54:17
